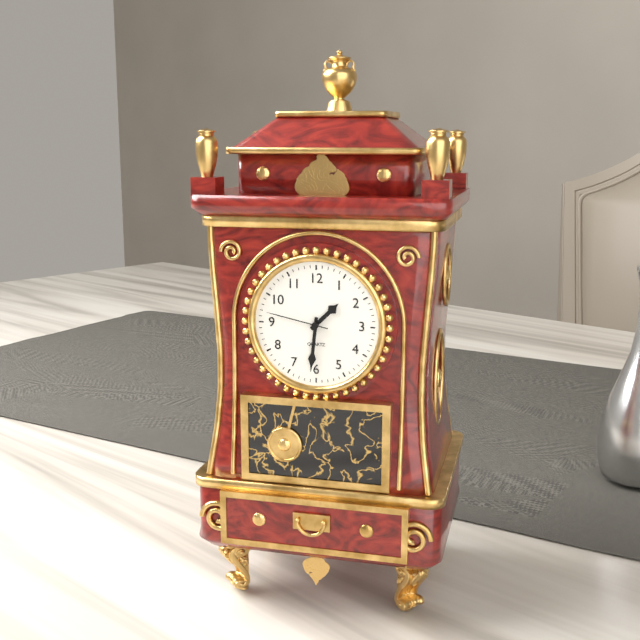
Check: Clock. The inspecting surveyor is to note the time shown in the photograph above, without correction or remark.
1:31:47
